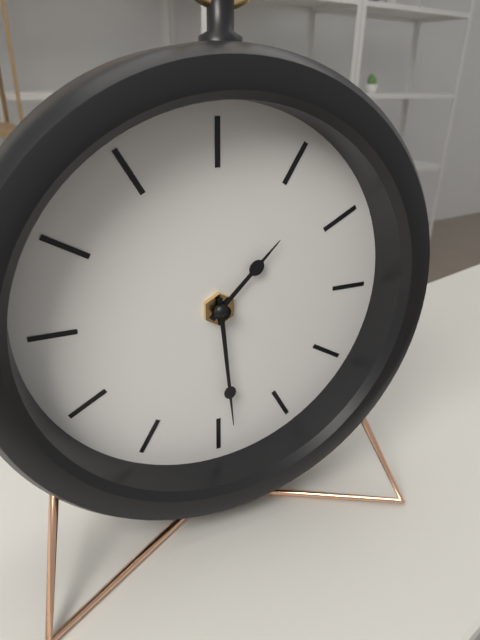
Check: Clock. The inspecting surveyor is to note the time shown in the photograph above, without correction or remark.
1:29
